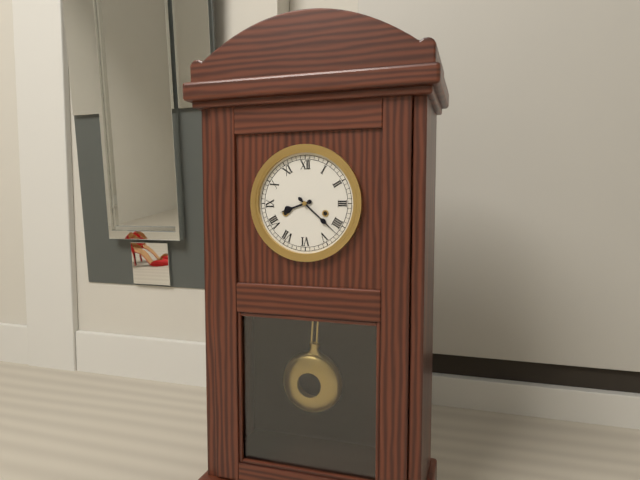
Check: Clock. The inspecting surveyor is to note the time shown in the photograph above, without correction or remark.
8:22
